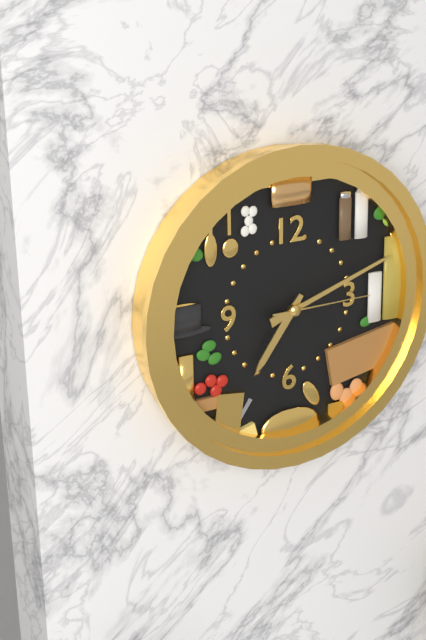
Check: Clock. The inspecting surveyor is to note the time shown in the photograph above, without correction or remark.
7:12:15
